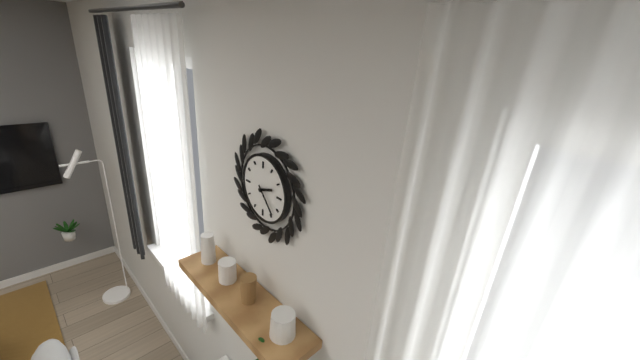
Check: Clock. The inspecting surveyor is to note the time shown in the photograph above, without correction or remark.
2:23
